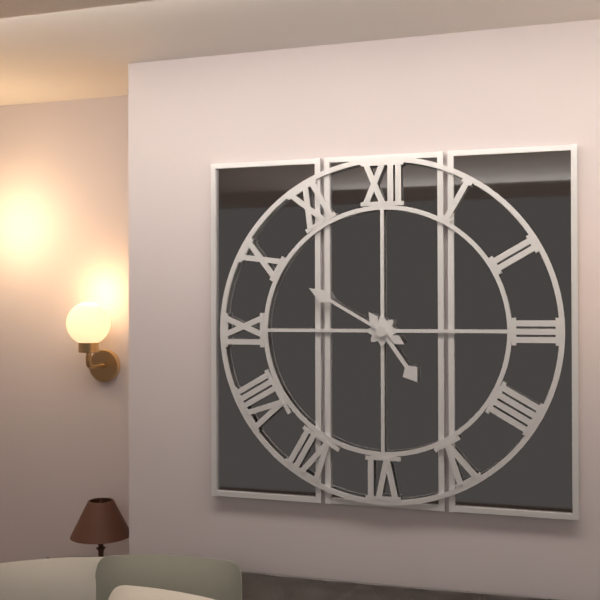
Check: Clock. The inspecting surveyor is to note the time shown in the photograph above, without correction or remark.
4:50
